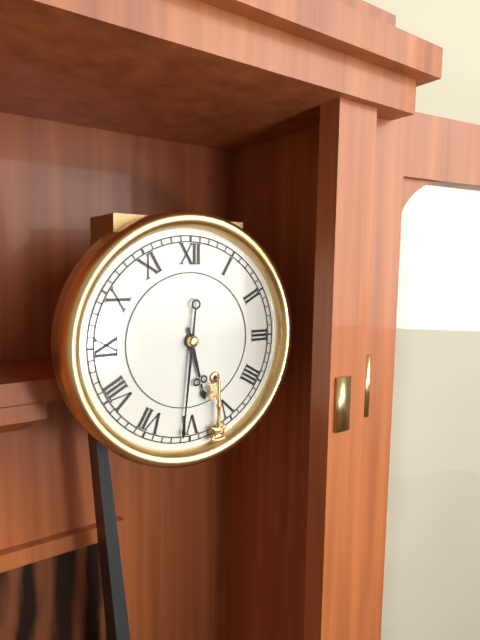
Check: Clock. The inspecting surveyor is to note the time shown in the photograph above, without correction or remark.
5:31
